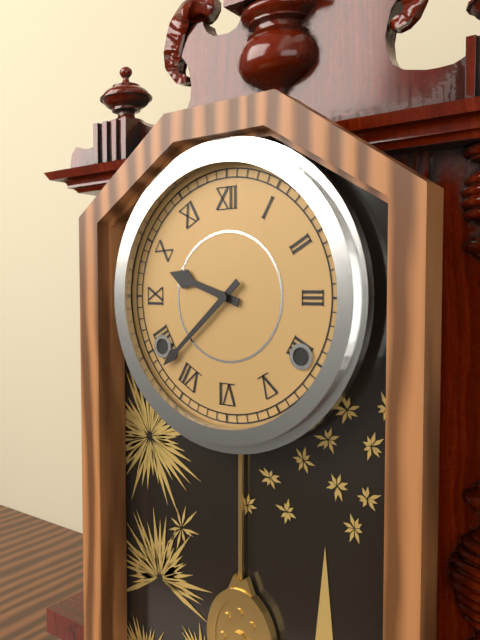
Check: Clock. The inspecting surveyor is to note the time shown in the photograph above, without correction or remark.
9:38
